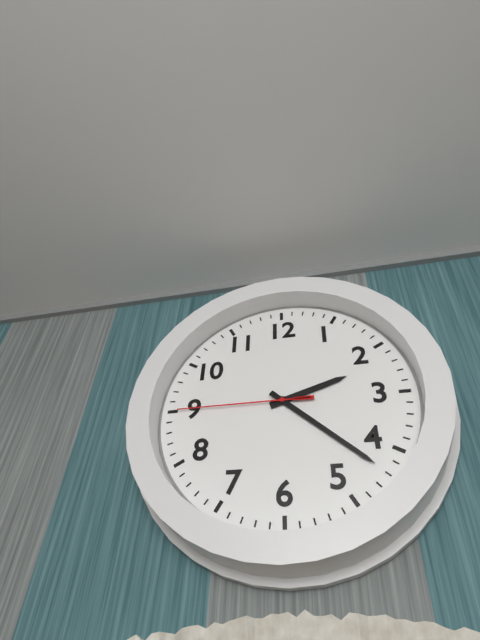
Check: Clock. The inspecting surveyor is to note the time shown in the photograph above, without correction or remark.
2:22:45
